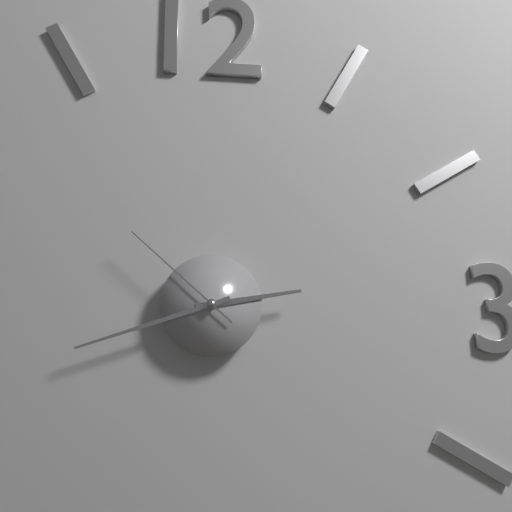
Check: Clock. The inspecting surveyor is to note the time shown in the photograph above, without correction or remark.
2:42:52
